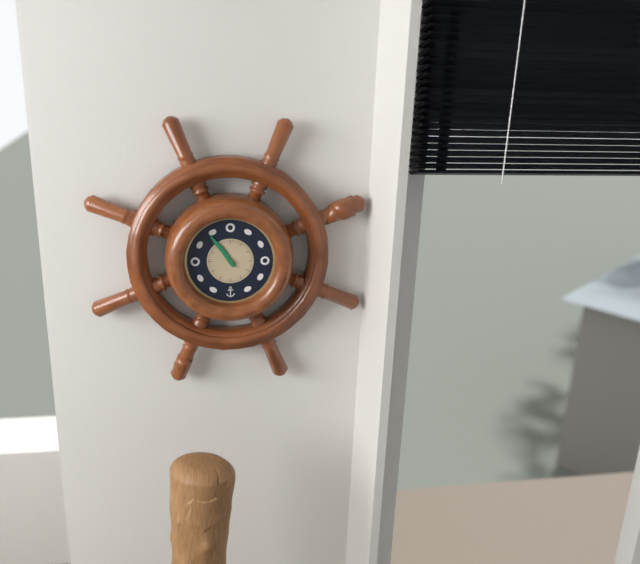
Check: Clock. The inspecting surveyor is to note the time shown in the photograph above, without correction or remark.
10:54
